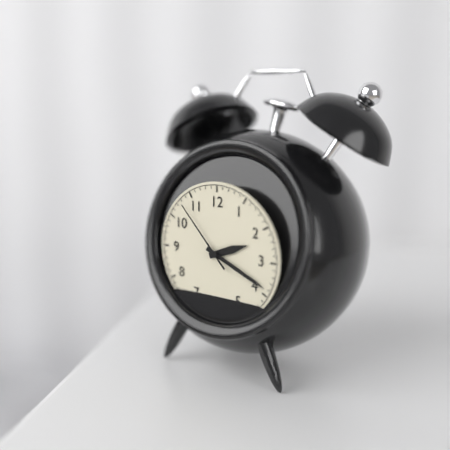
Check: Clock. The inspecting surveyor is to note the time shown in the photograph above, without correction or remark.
2:19:53
